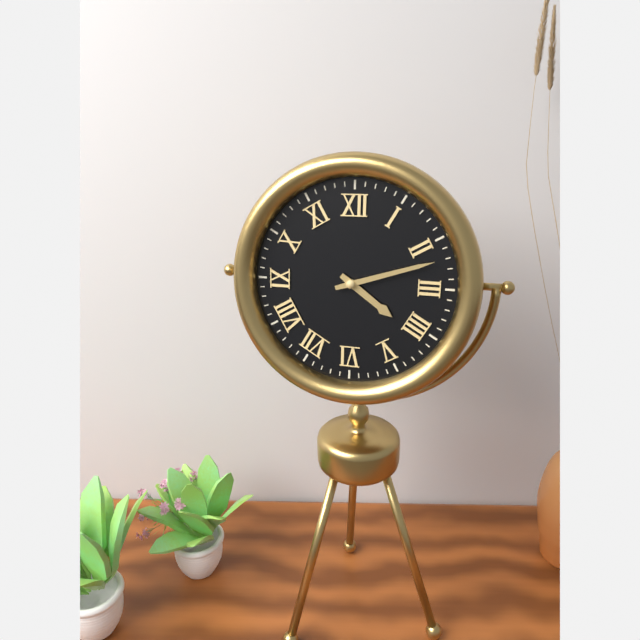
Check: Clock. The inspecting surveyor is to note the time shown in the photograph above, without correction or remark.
4:12
